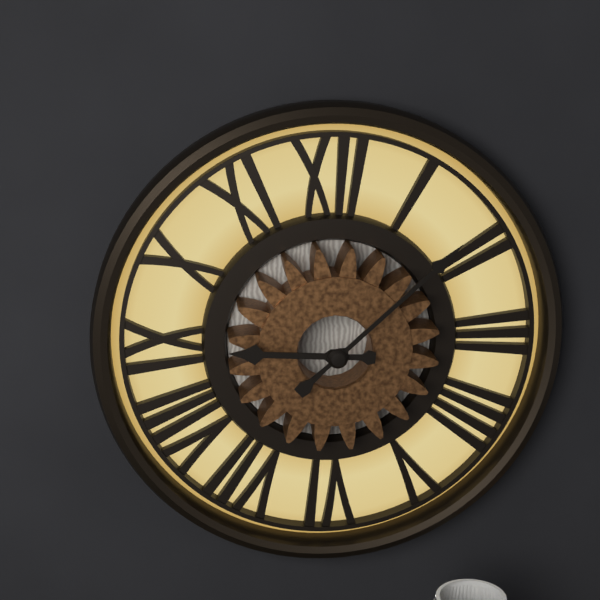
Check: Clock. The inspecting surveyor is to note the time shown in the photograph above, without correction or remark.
9:08
